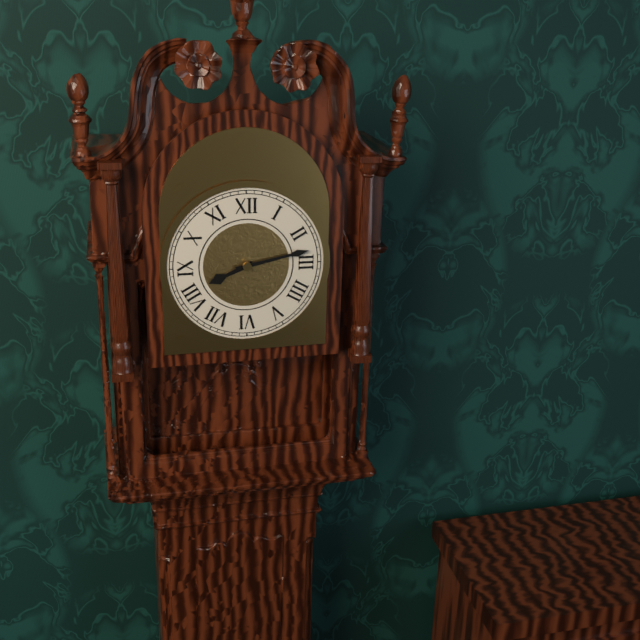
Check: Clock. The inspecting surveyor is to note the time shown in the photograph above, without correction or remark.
8:13
